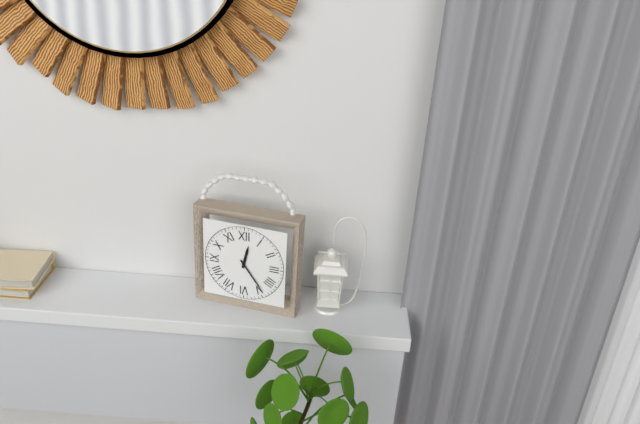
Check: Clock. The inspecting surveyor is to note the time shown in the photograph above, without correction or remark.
12:24
